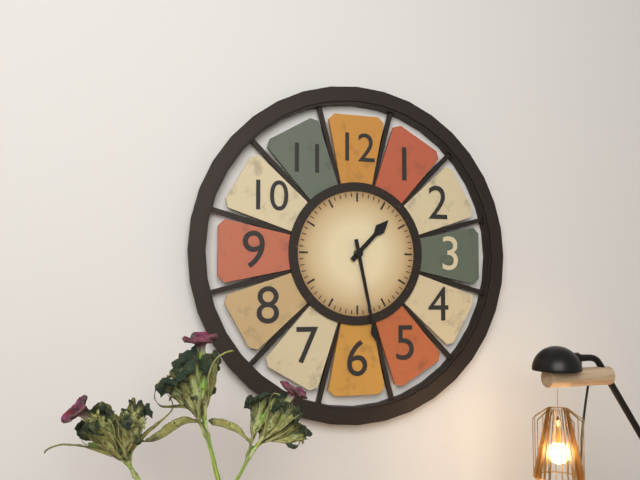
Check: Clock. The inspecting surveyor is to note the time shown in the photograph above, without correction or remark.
1:28
